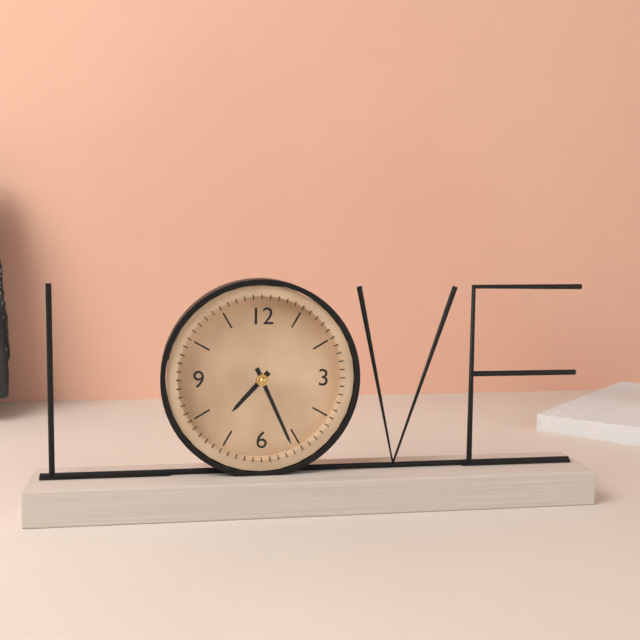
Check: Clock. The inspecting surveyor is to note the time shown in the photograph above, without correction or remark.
7:26
